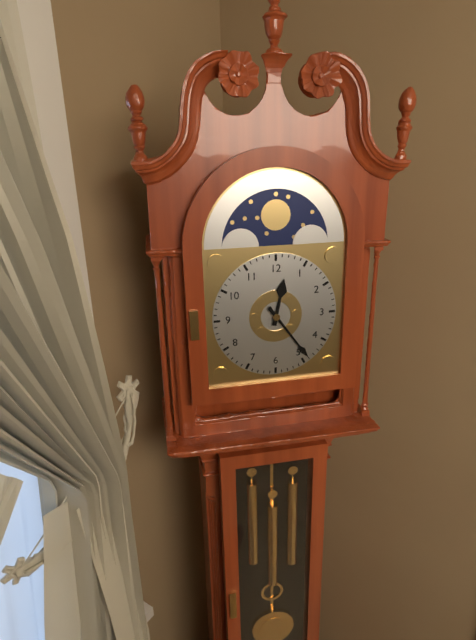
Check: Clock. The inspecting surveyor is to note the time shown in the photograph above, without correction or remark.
12:24
